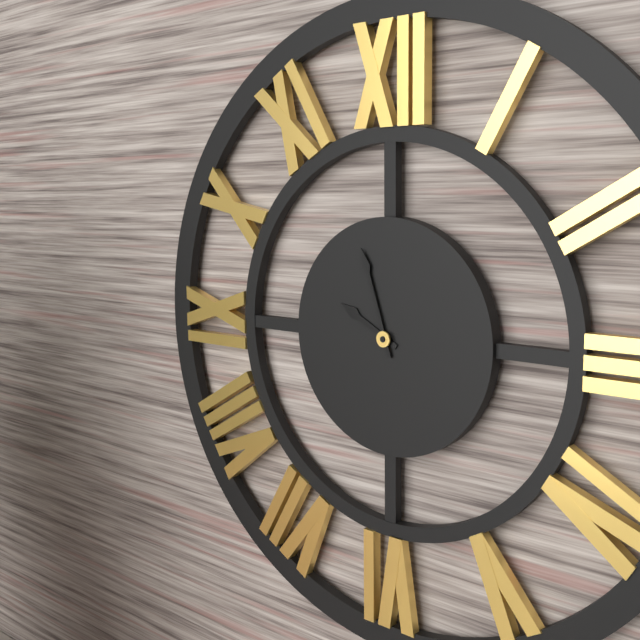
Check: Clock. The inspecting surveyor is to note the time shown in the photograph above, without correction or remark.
9:57
